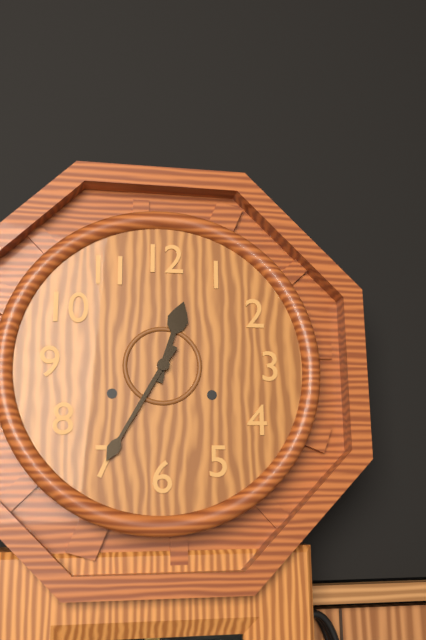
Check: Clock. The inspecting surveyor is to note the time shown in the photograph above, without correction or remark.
12:35
